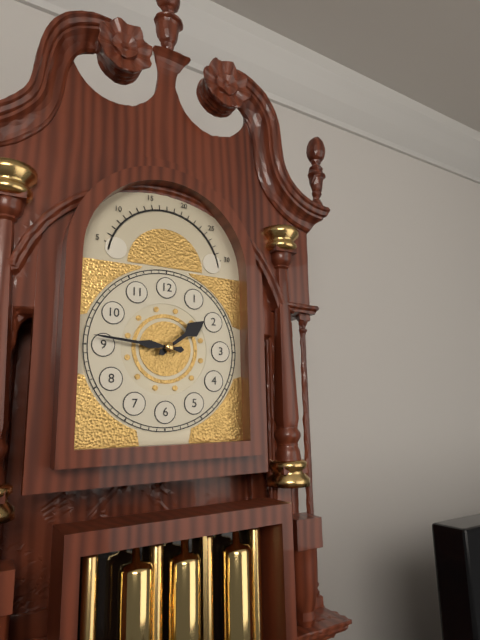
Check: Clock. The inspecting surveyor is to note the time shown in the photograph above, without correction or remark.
1:46
